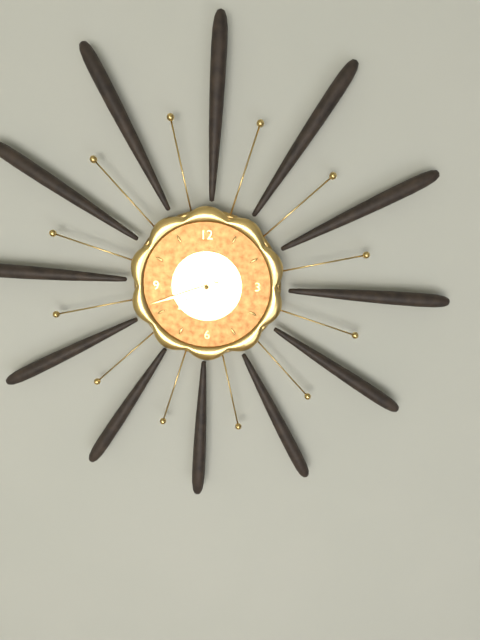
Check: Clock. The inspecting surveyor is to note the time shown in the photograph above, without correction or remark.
7:42
